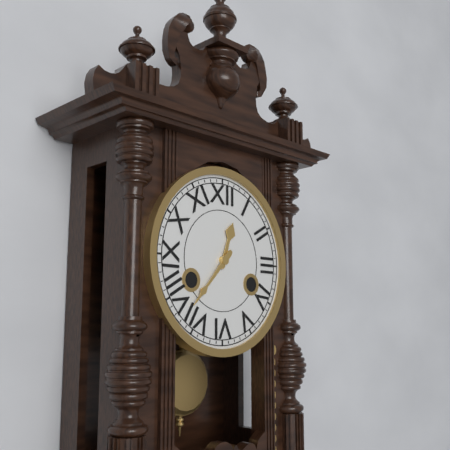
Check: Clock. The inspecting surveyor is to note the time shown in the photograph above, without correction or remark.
12:37
